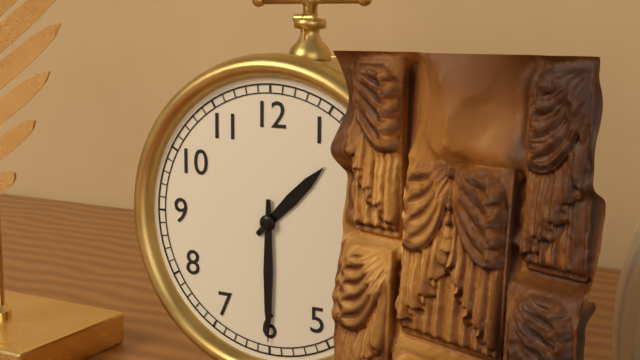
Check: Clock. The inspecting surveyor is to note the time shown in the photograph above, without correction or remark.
1:30
